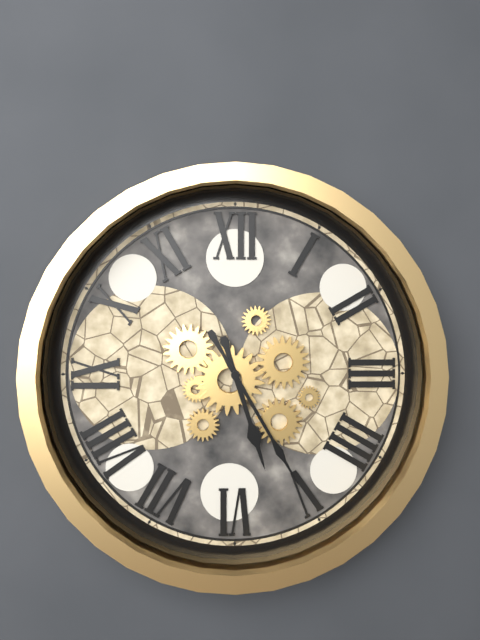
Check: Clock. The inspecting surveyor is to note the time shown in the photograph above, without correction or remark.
5:25
